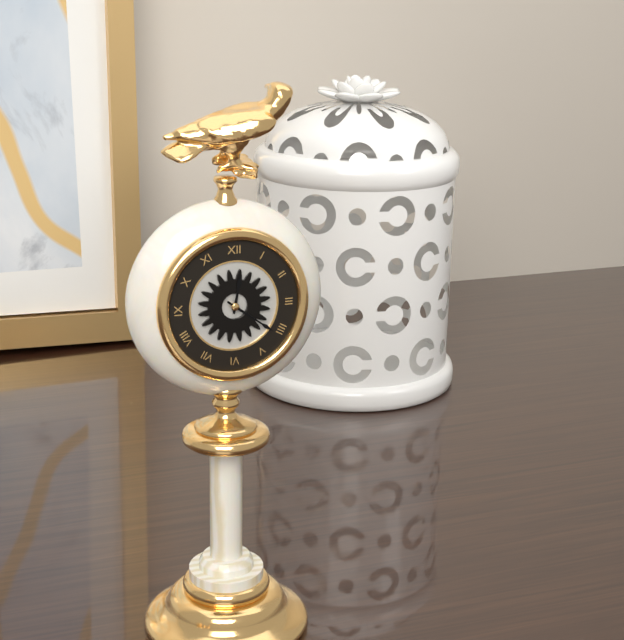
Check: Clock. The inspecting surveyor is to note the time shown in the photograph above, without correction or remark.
12:21
